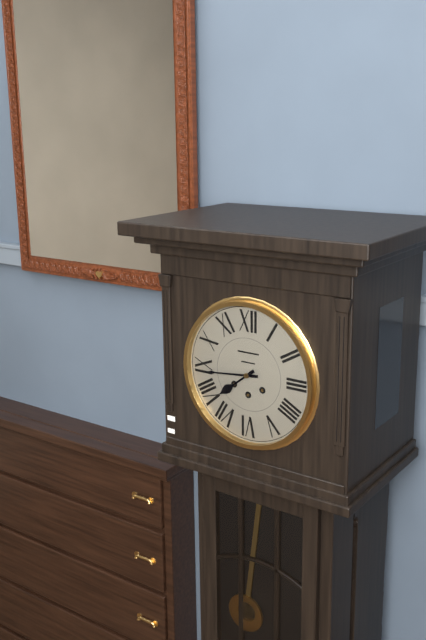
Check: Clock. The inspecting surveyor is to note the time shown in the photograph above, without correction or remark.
7:44
